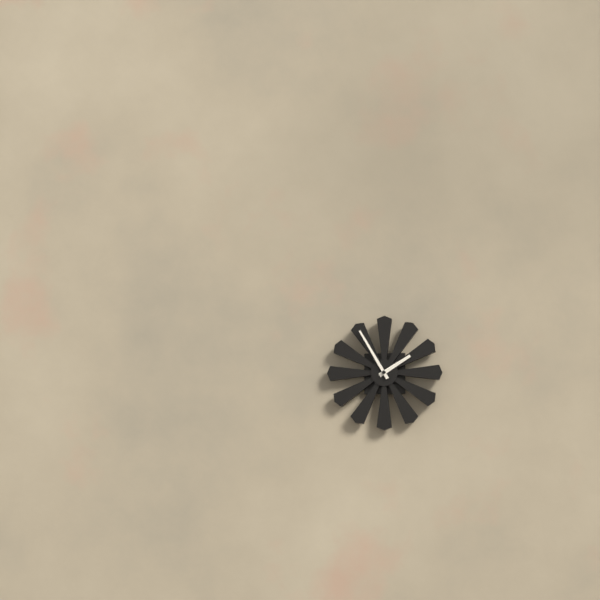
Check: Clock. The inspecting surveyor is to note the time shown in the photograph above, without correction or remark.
1:55
